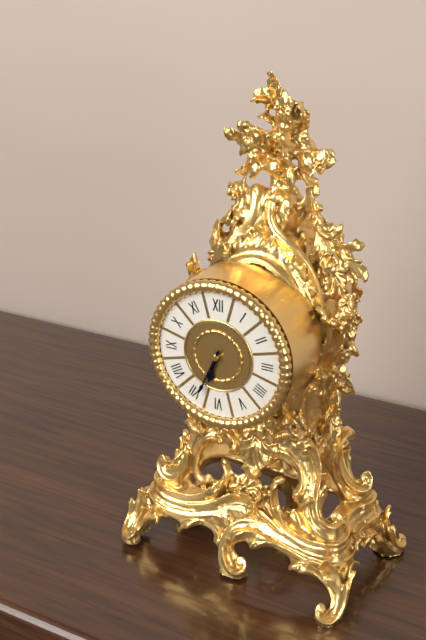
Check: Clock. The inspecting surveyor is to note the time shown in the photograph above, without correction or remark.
6:34
